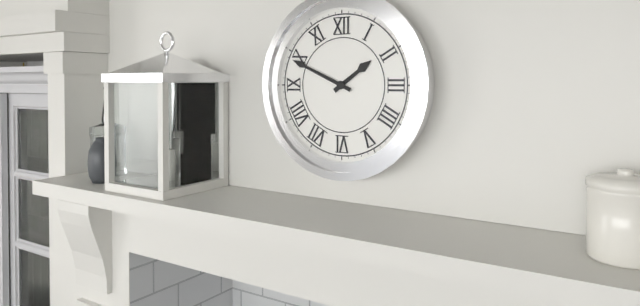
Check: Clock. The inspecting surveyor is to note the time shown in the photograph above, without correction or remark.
1:49
